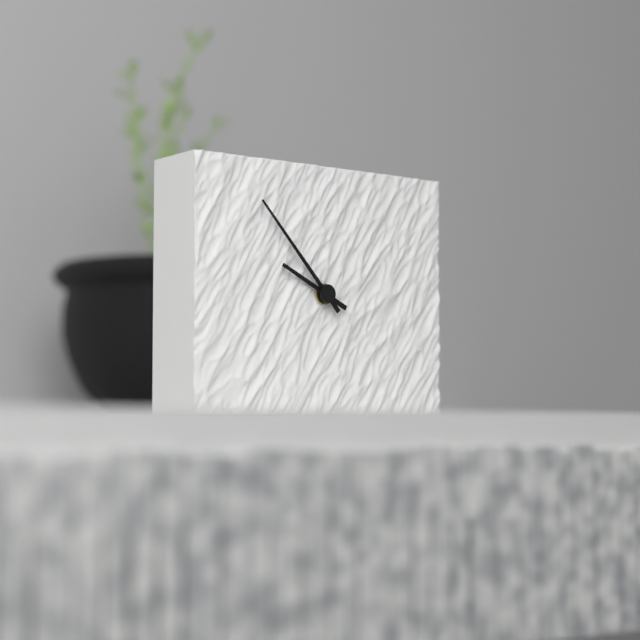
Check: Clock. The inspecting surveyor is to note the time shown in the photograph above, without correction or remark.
9:53
